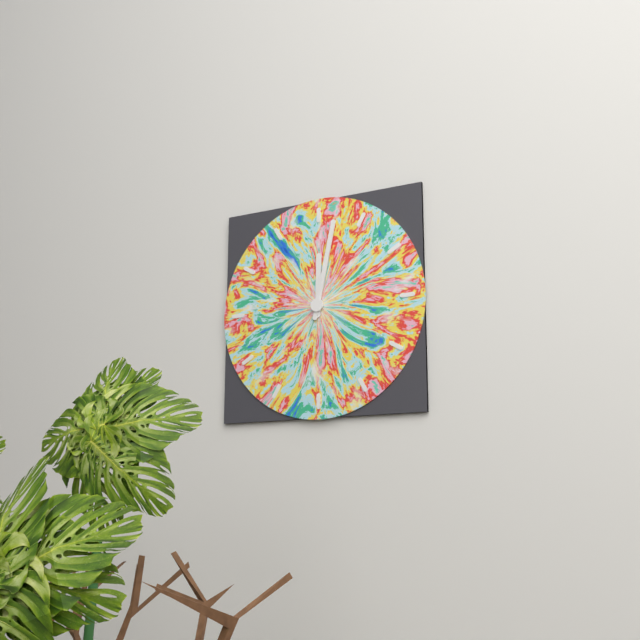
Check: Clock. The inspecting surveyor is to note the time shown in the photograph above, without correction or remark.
12:02
